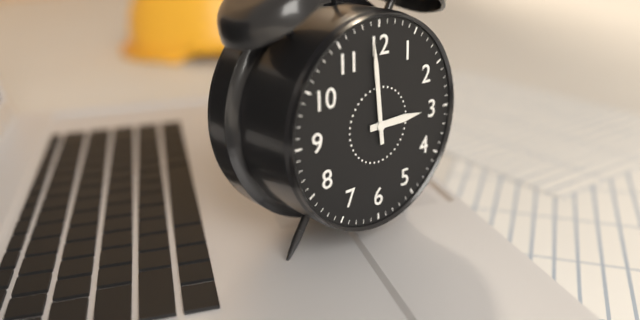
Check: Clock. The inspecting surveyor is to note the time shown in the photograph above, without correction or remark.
2:59
